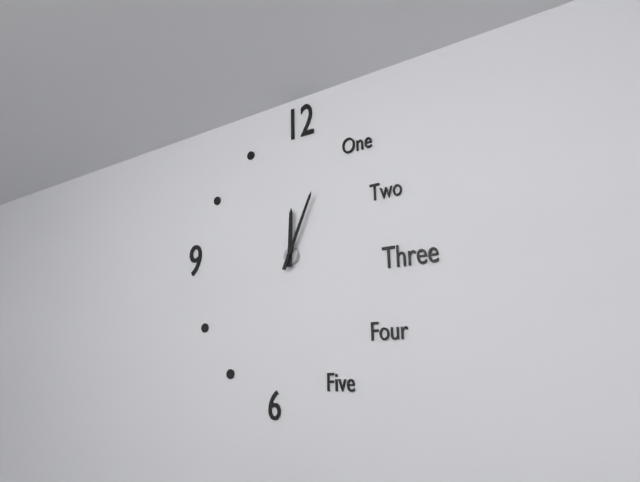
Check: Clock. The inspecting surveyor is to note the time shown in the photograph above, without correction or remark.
12:04
